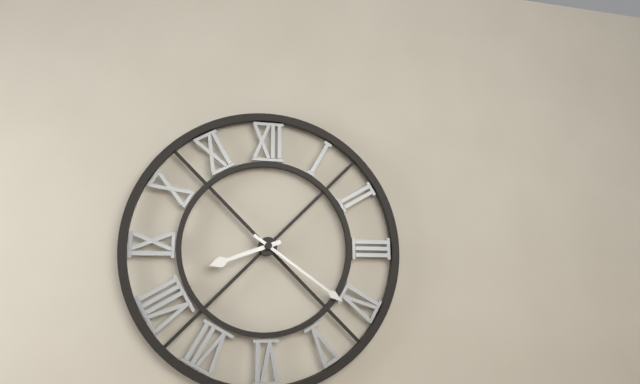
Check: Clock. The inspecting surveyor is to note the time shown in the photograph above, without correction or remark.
8:21
